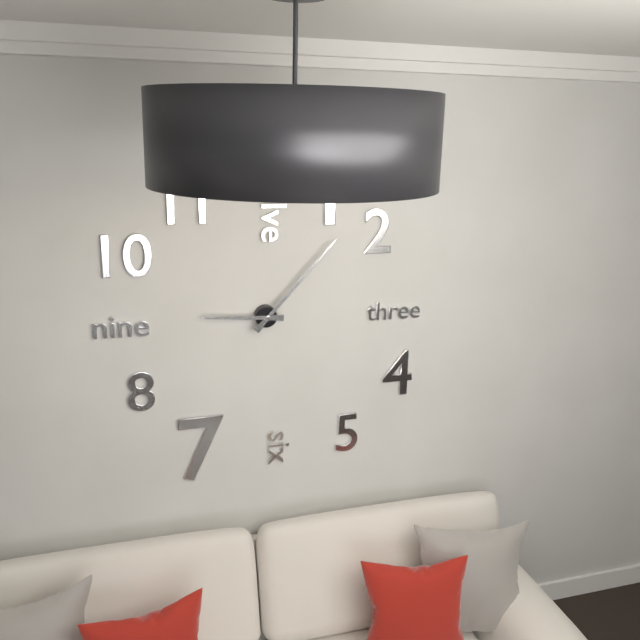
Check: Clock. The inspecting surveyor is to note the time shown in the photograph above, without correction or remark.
9:07
